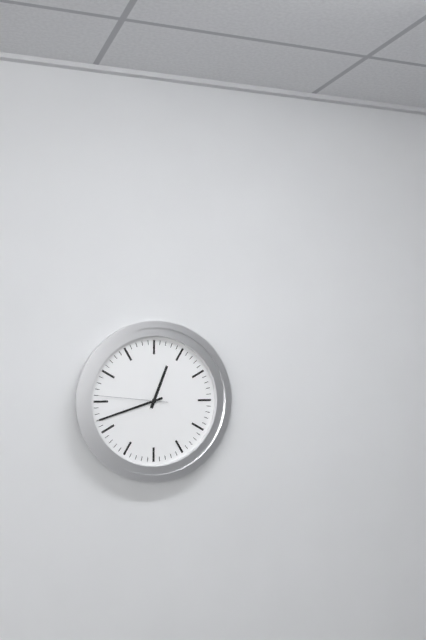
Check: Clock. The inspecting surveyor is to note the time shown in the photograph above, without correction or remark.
12:42:46
